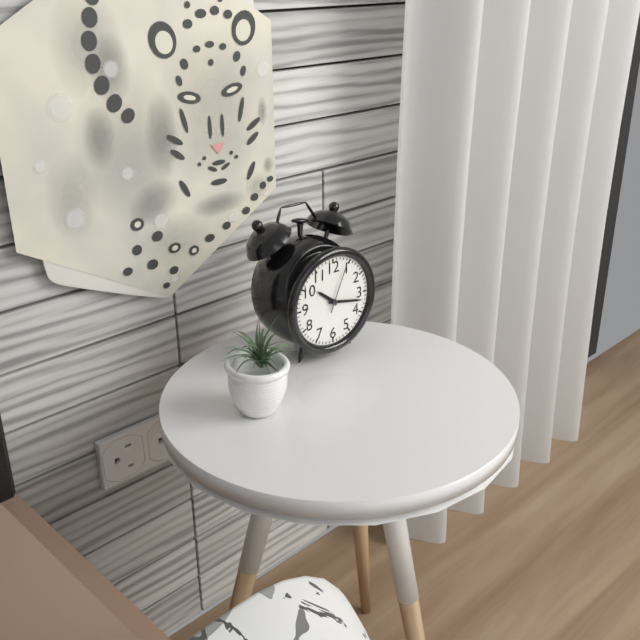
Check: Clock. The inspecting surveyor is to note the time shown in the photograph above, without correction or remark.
10:17:04
